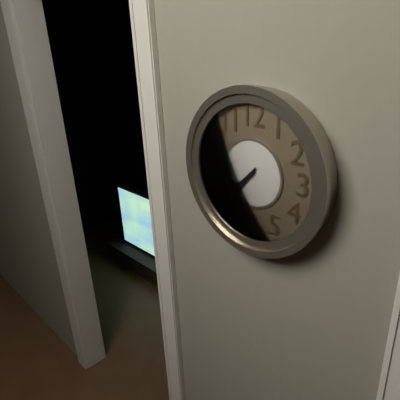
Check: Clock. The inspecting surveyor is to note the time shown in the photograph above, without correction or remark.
7:36
